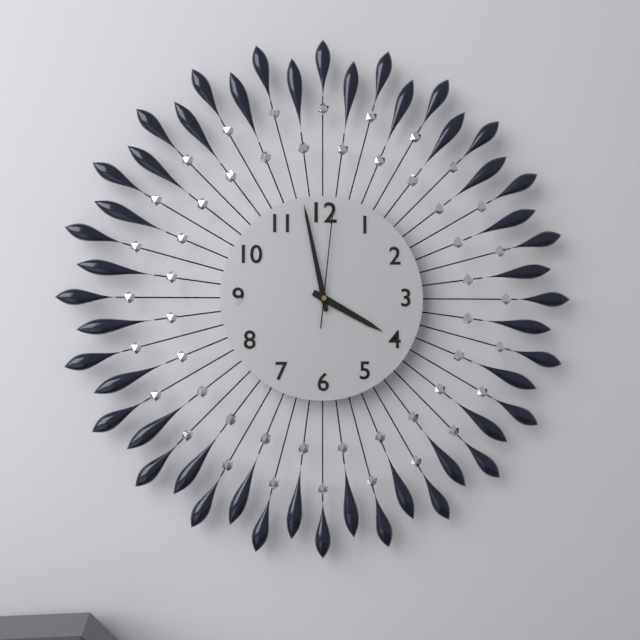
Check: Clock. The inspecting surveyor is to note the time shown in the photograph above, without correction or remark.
3:58:01
